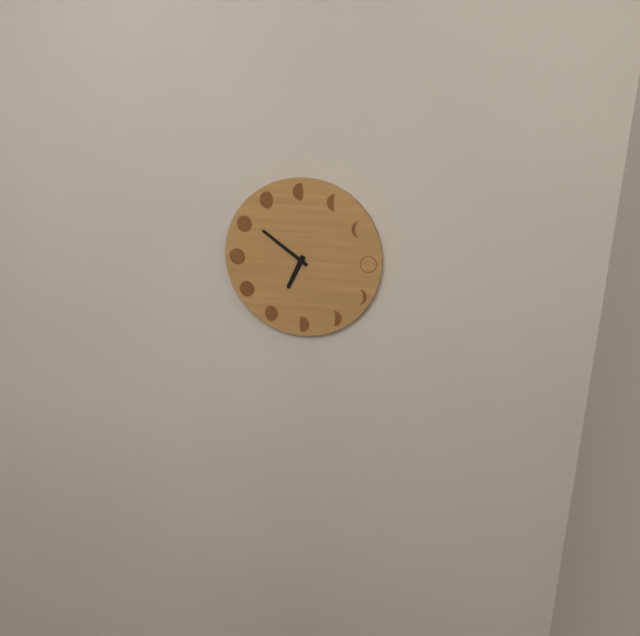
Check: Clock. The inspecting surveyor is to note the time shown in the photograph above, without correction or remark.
6:51
